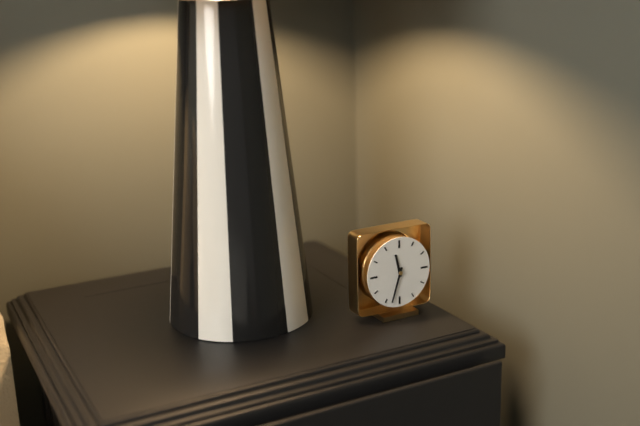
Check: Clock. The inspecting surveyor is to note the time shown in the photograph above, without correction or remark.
11:33
